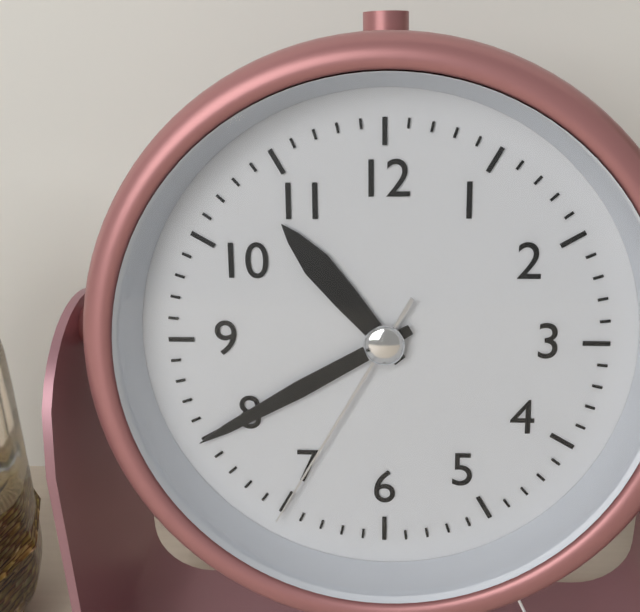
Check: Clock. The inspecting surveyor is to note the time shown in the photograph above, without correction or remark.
10:40:35
